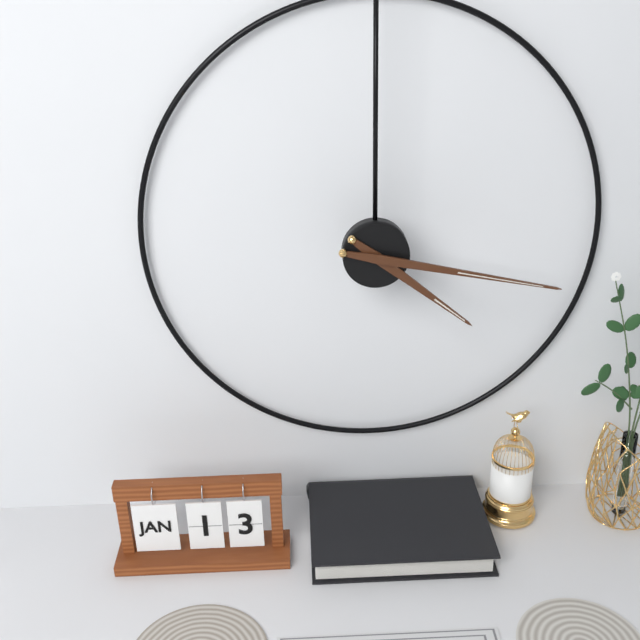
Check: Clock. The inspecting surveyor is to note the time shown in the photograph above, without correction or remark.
4:17
